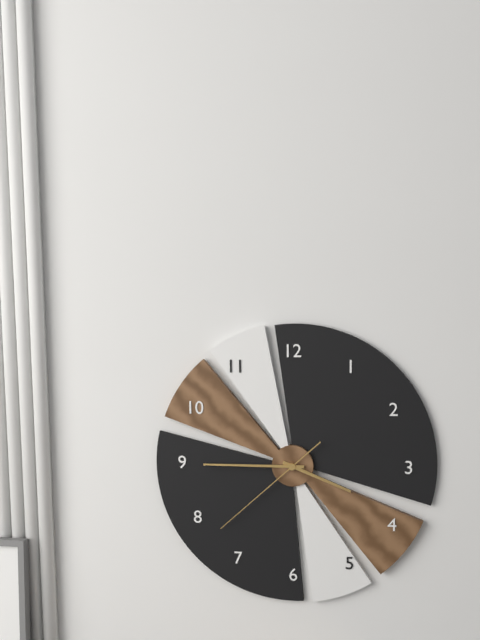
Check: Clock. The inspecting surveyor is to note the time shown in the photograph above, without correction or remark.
3:45:38
